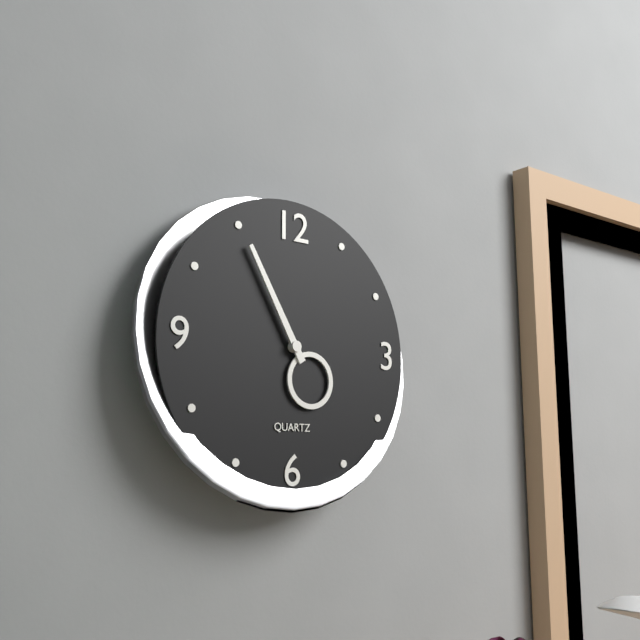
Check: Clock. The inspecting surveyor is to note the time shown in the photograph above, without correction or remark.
4:55
